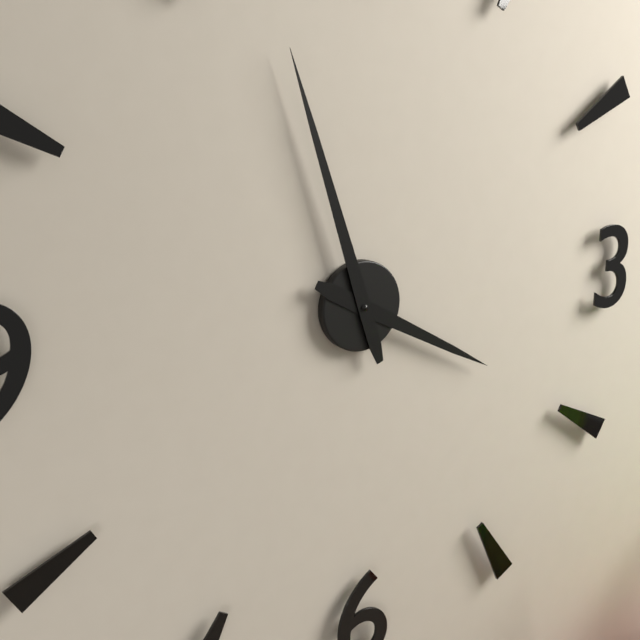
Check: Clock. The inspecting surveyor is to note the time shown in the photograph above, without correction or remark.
3:57
